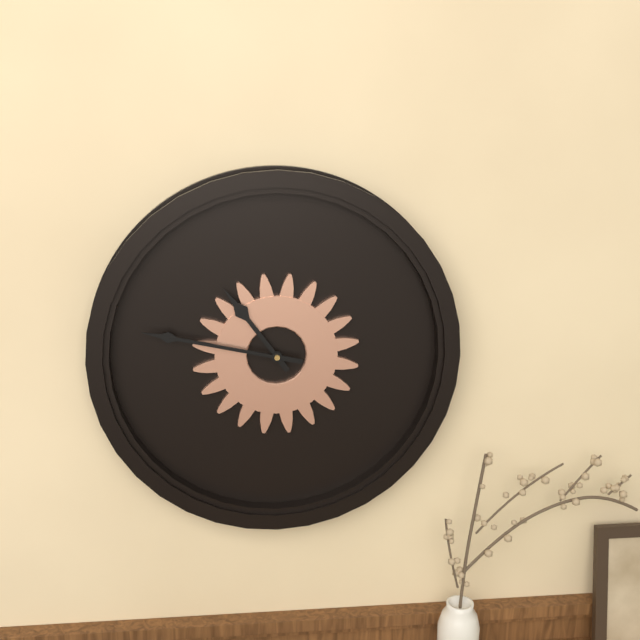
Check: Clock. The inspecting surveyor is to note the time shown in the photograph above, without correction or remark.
10:47
